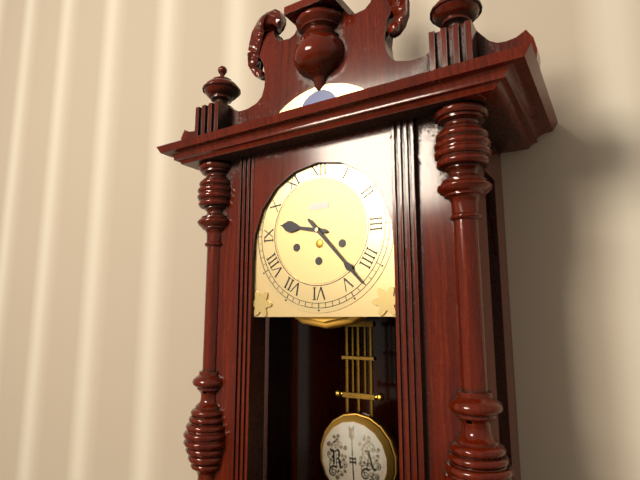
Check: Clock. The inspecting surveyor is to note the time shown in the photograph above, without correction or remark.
9:23
